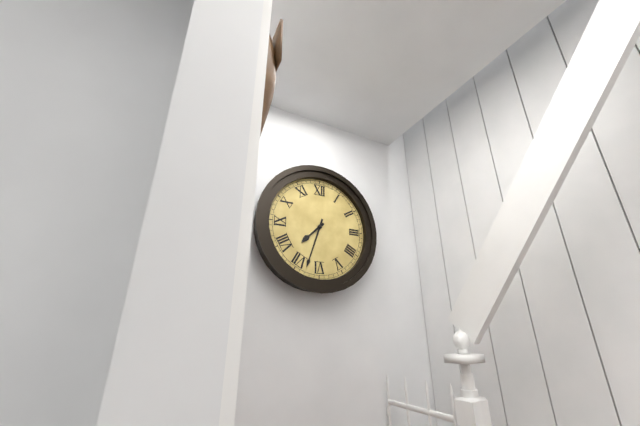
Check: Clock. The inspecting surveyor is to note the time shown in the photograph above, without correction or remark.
7:33
